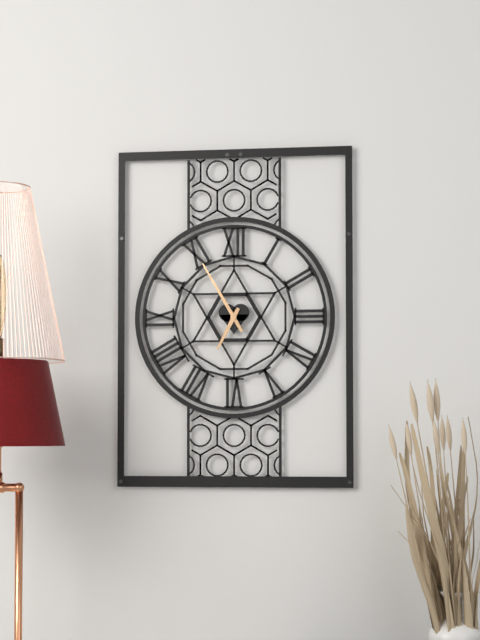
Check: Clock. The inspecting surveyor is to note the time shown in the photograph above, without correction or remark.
6:55
